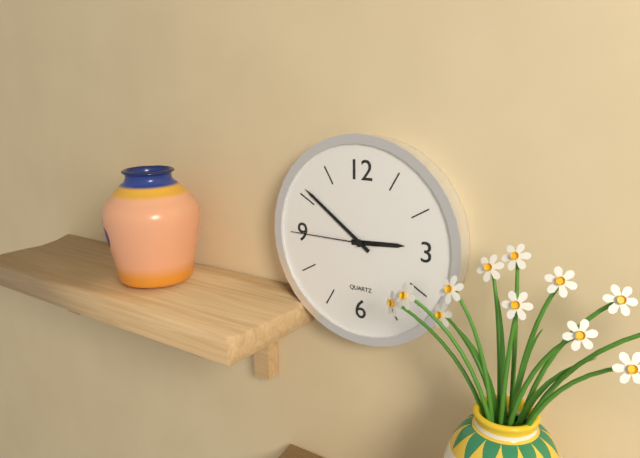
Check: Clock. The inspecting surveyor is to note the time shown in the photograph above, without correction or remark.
2:51:45
